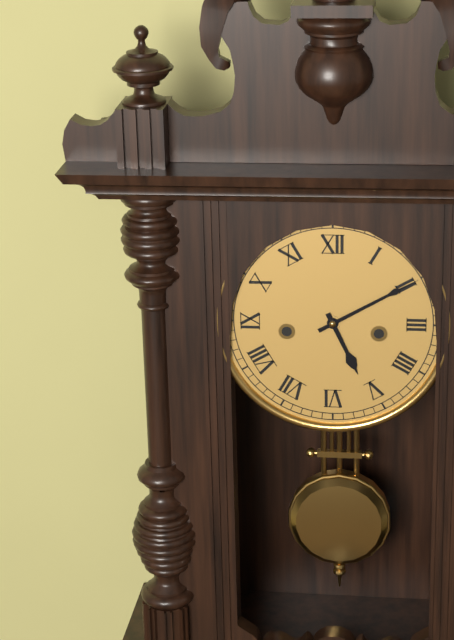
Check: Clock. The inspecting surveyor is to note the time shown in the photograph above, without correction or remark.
5:10
